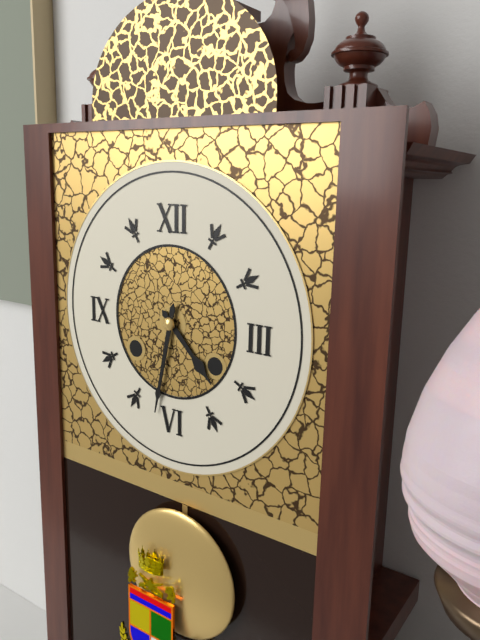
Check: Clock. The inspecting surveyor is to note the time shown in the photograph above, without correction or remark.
4:32
